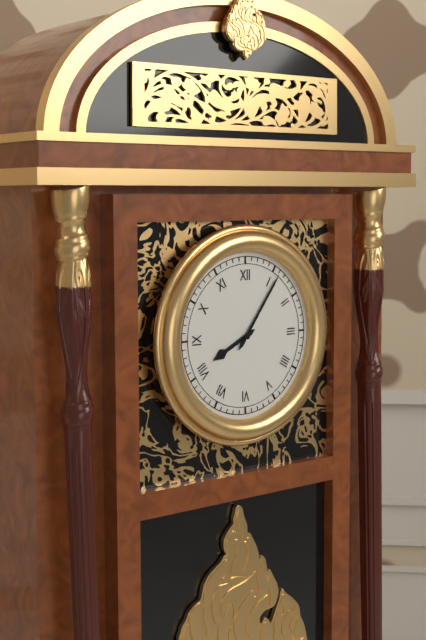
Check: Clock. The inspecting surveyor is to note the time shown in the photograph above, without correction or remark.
8:06
